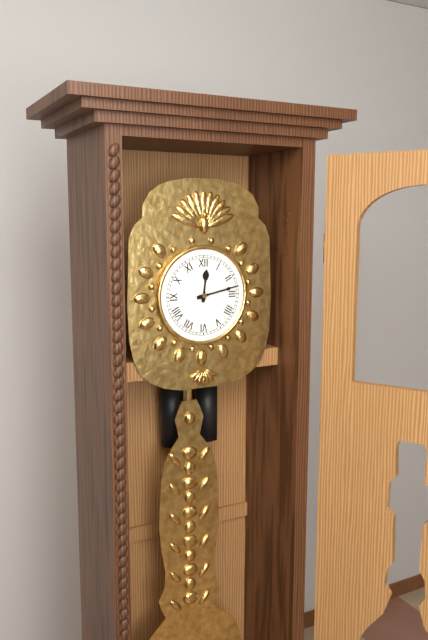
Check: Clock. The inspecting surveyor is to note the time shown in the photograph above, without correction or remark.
12:13
